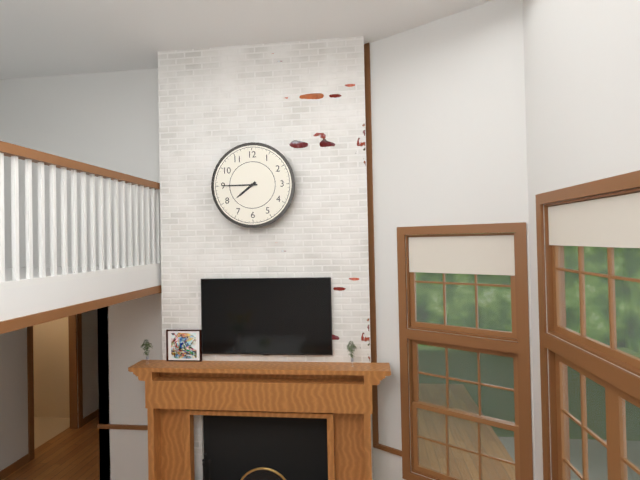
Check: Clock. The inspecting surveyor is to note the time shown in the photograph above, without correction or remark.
7:45
